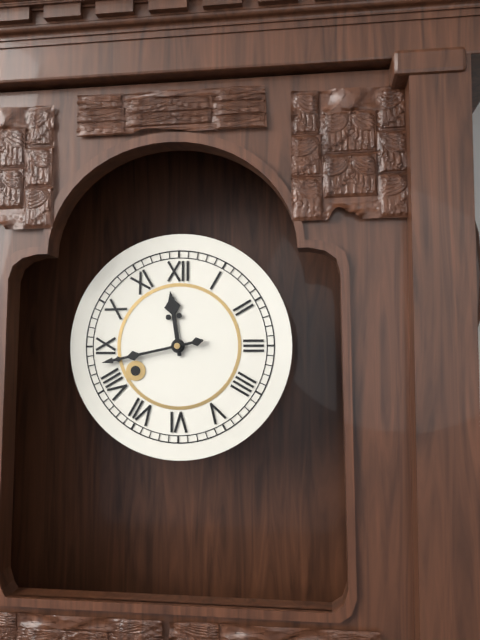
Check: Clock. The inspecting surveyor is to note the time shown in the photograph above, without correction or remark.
11:43
